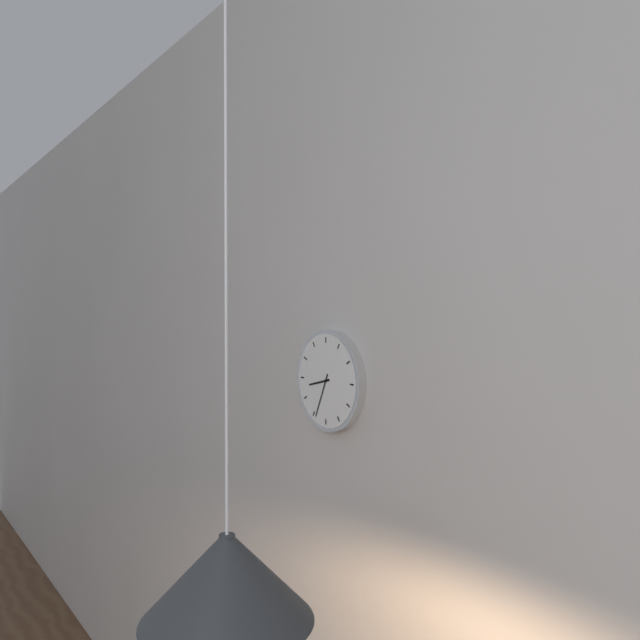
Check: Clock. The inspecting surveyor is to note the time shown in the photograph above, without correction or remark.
8:34
